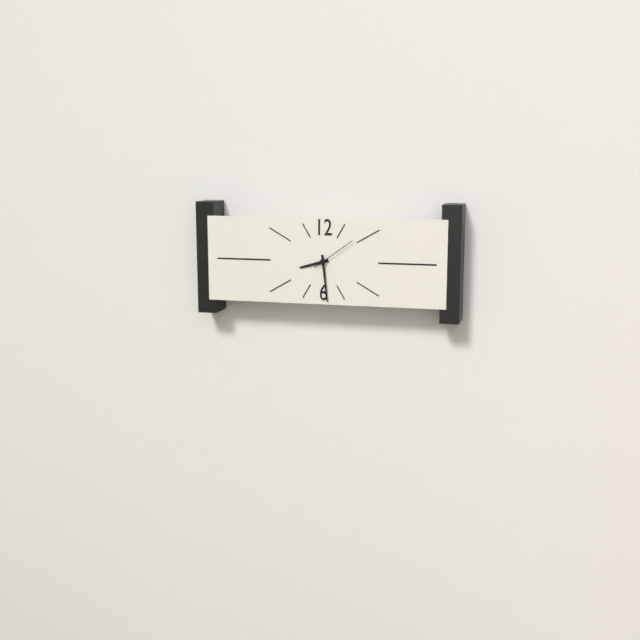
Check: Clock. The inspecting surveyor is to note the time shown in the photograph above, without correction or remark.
8:29
